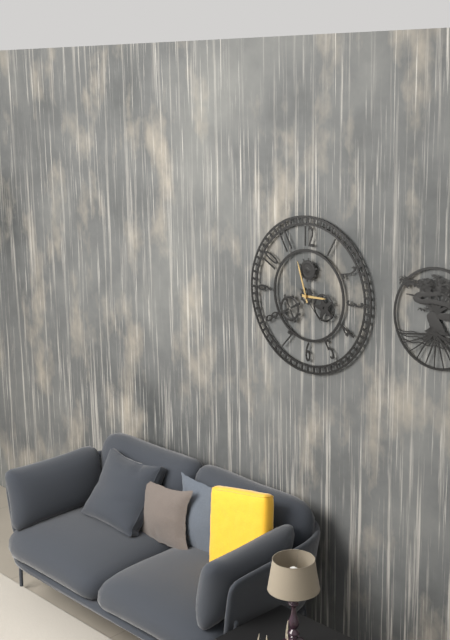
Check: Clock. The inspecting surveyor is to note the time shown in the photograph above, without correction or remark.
2:57
